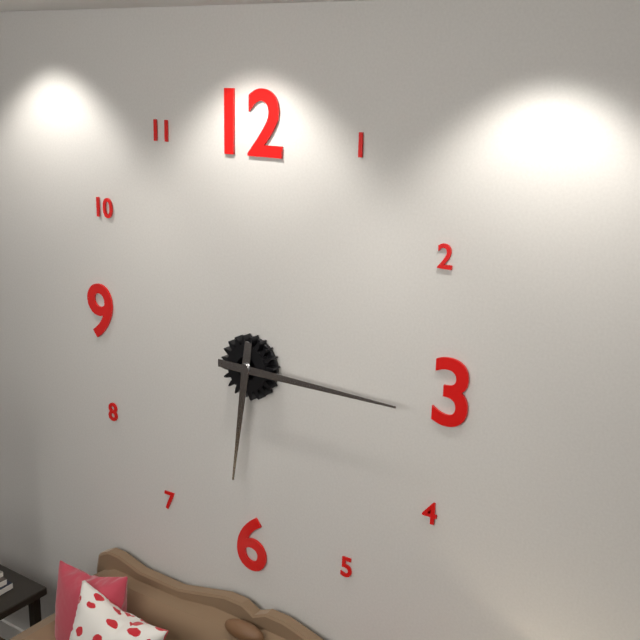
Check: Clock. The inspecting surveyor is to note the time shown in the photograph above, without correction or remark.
6:15
